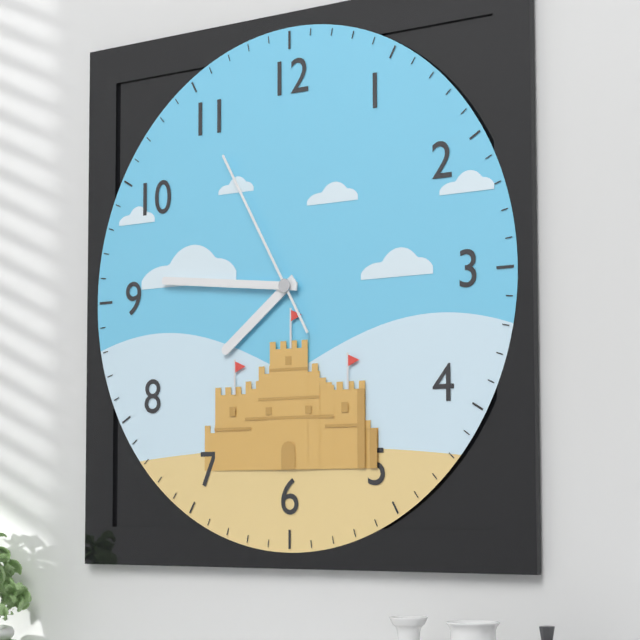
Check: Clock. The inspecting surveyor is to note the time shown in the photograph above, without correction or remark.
7:46:55
